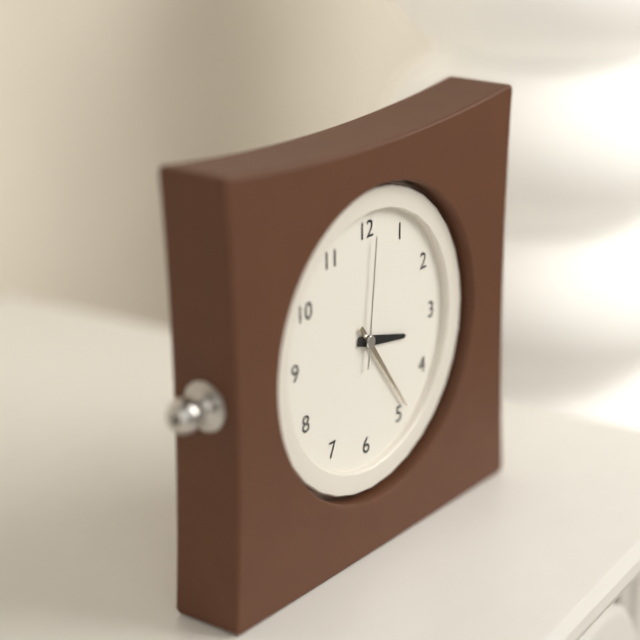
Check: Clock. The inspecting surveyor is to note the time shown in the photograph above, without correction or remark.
3:24:01
